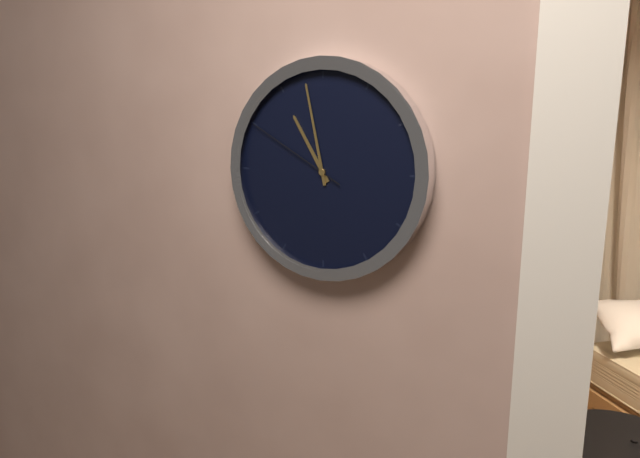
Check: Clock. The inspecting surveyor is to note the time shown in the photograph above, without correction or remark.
10:58:50
